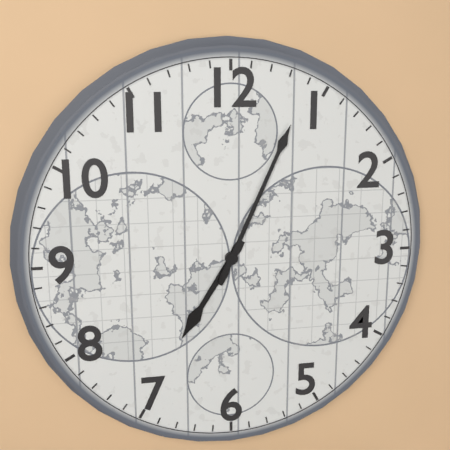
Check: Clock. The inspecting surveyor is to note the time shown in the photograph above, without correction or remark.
7:04
